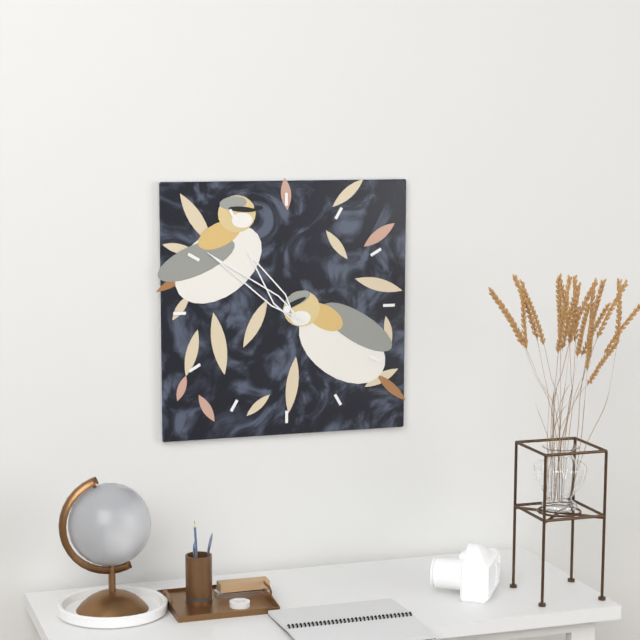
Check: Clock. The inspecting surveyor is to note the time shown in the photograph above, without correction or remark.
10:51
